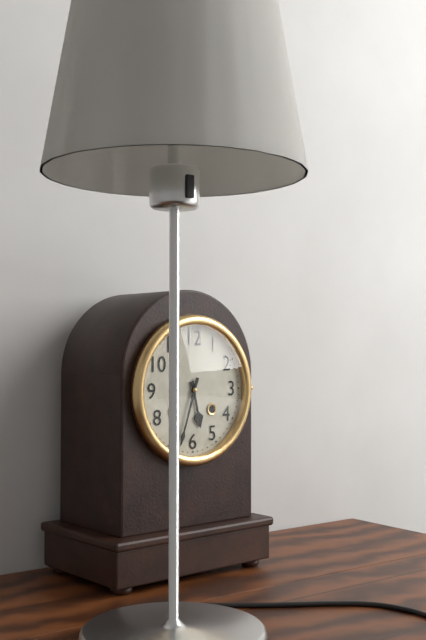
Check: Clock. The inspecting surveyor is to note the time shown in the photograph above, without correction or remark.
5:33
